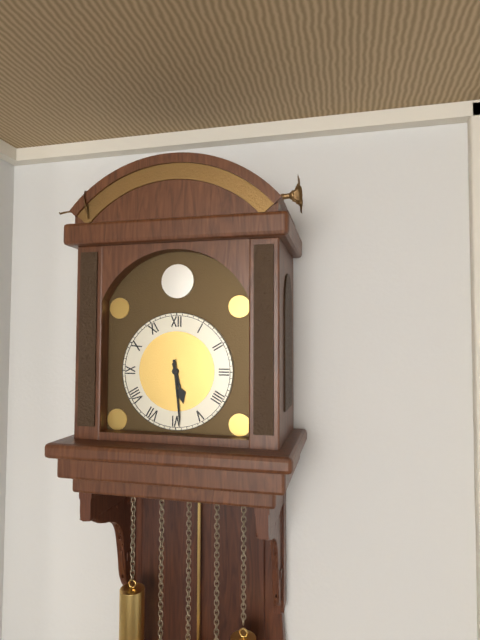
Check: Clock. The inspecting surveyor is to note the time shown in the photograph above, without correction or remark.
5:29
